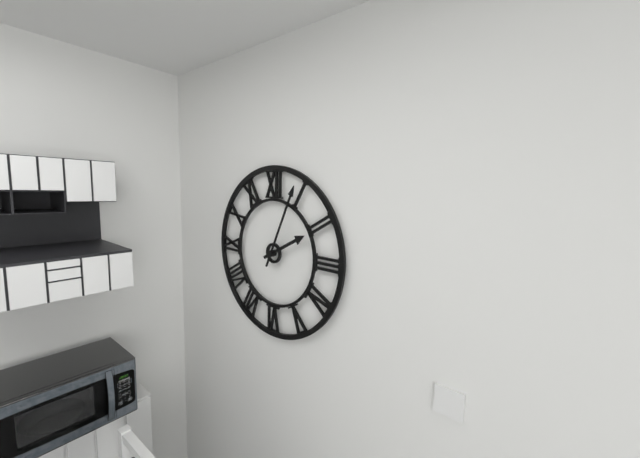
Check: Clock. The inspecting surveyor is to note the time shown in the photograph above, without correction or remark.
2:04
